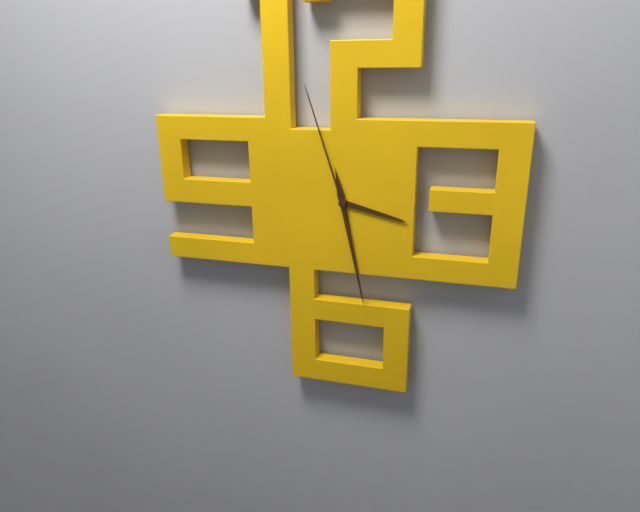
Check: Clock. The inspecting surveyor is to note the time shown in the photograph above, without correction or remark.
3:28:57
